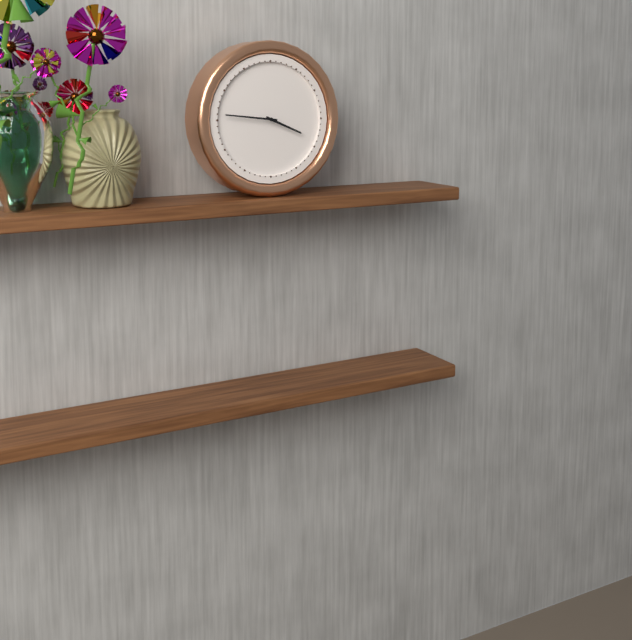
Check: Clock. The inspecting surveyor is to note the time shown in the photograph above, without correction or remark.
3:46
